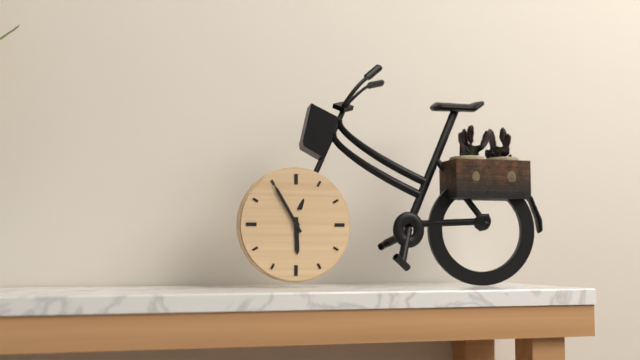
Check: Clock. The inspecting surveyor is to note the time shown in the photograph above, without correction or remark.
5:55
